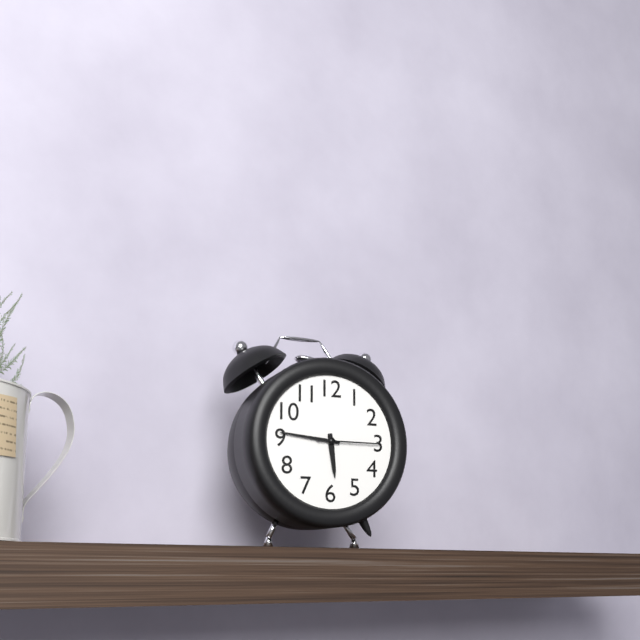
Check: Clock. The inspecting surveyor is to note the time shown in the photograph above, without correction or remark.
5:46:15
